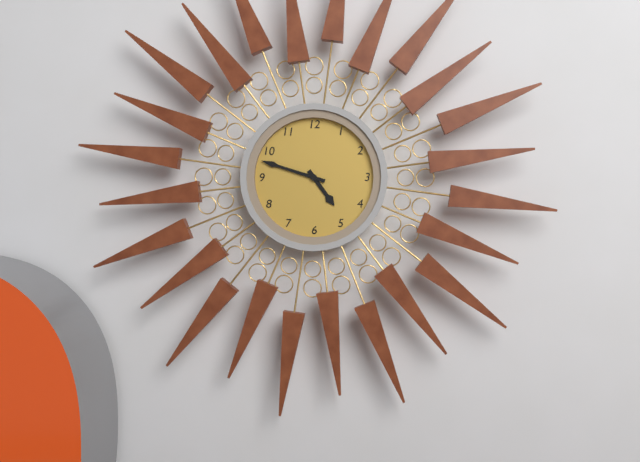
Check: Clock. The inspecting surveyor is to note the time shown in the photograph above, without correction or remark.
4:48
